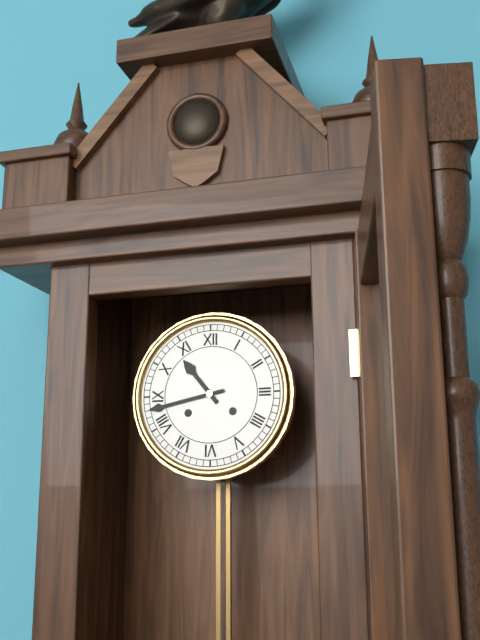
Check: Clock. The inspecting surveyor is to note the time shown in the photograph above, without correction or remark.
10:43
